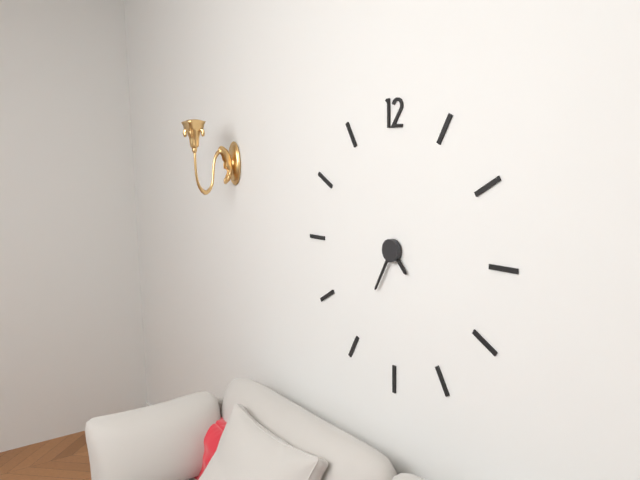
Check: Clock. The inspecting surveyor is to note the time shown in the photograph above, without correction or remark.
4:35
